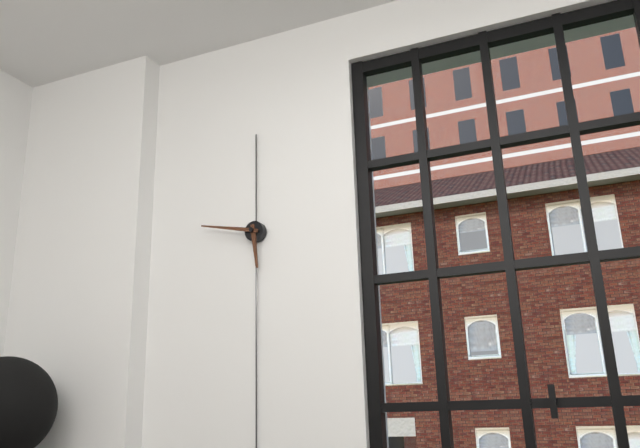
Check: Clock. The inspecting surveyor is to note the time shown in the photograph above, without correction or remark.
5:47
